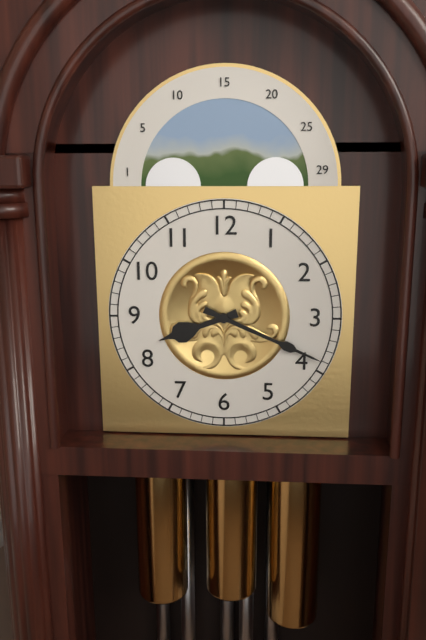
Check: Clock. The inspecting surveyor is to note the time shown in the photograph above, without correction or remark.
8:19
